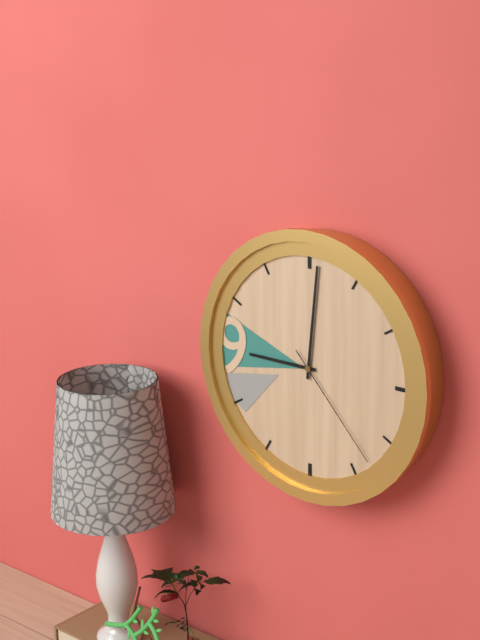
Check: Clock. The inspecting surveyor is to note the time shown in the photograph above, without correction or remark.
9:01:23
